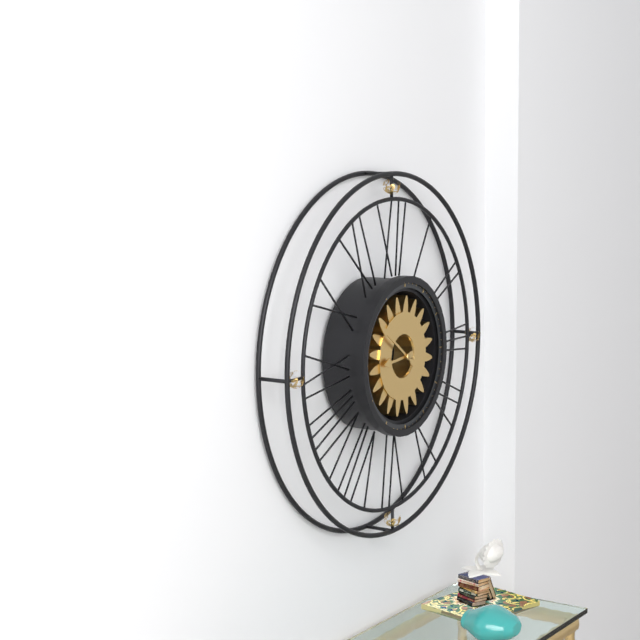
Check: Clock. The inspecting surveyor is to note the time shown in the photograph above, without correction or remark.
8:51
